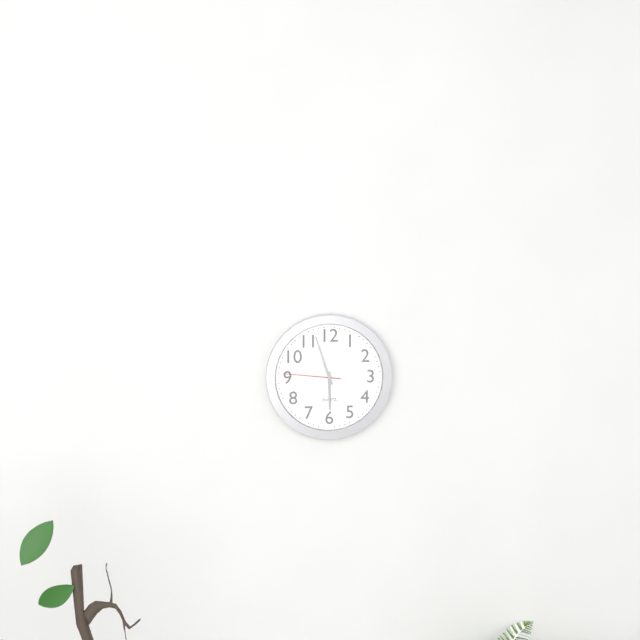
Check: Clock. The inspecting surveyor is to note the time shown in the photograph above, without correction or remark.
5:57:46
